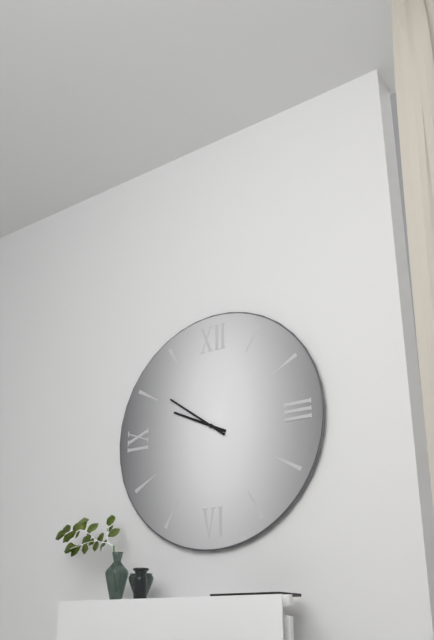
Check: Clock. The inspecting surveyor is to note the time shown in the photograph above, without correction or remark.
9:51
